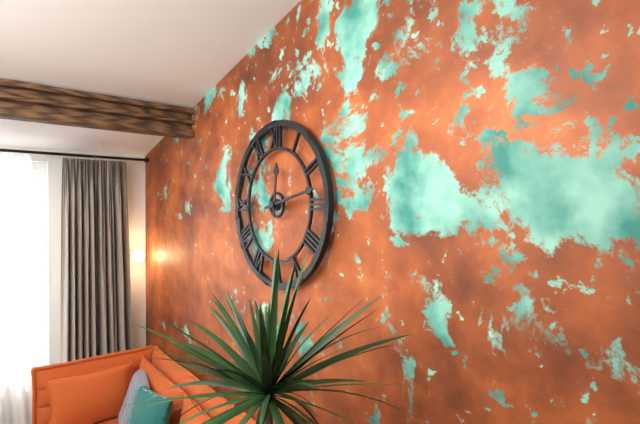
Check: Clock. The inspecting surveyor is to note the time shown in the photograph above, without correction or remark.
12:13
